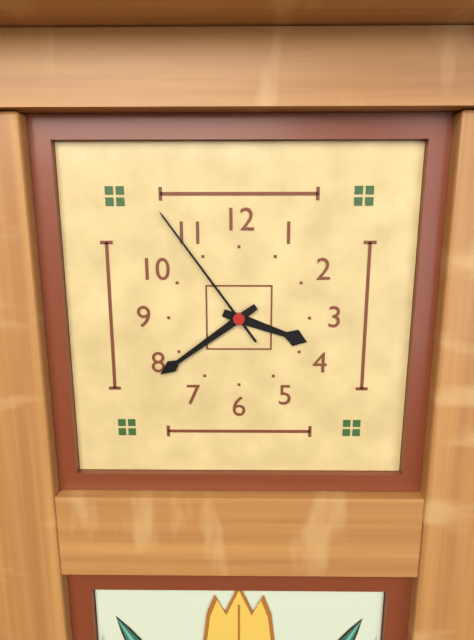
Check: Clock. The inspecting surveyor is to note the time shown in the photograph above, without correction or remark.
3:39:54
